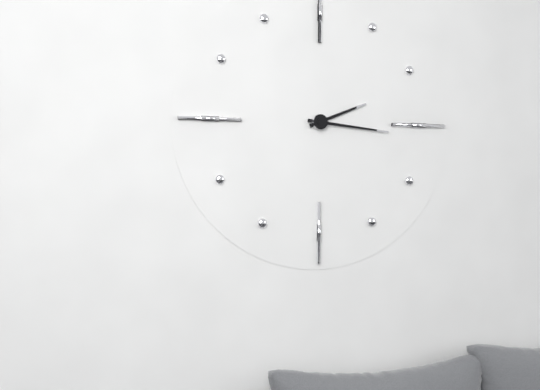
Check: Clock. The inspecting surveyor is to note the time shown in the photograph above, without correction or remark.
2:16
